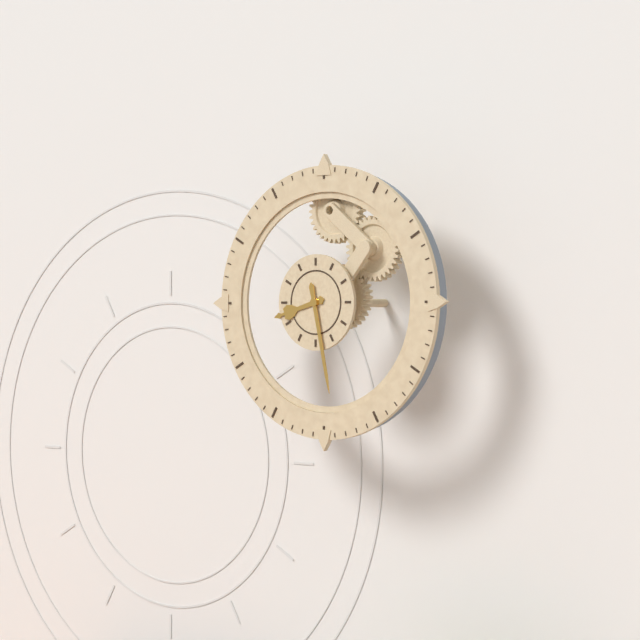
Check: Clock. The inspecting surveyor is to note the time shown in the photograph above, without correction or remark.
8:28
